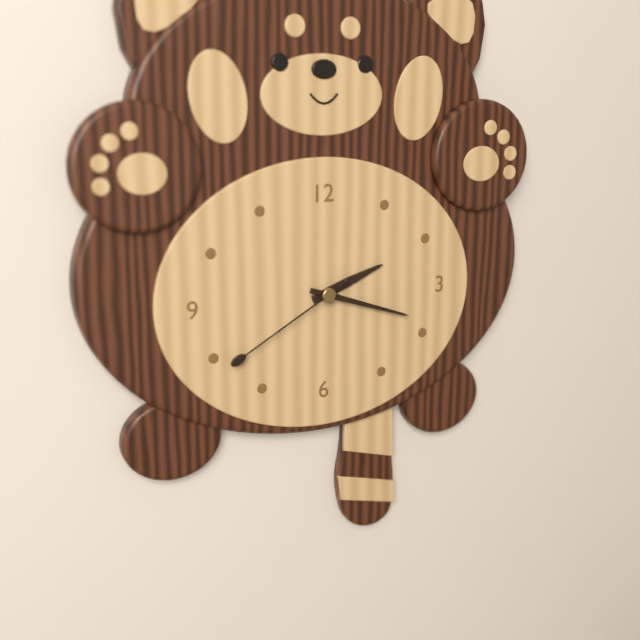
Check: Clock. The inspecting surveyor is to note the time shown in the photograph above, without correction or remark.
2:18:40
